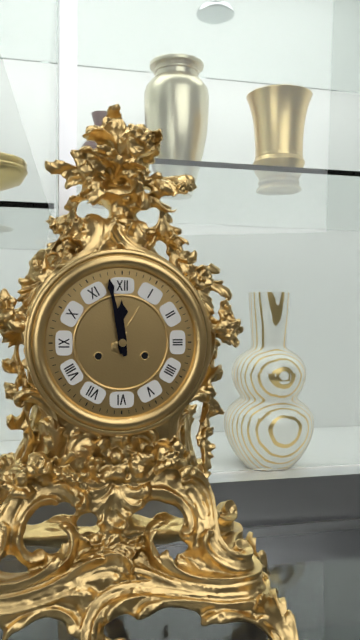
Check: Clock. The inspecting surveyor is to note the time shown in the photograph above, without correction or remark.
11:58
